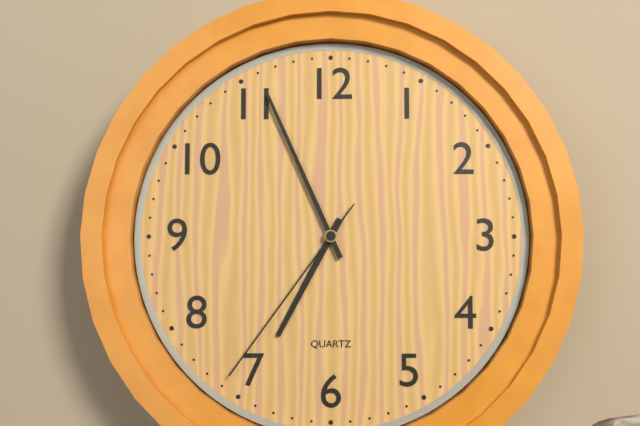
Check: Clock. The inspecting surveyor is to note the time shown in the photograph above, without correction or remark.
6:56:36
